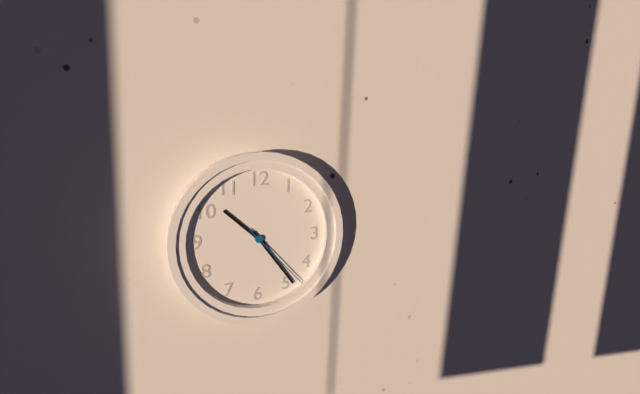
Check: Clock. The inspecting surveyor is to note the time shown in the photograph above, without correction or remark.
10:24:23
